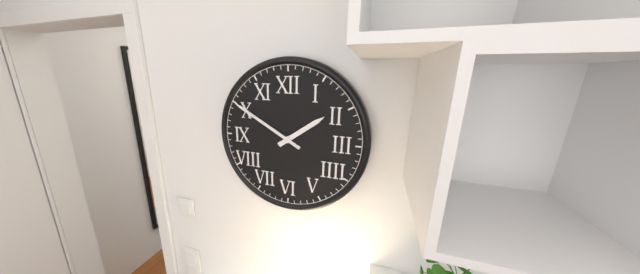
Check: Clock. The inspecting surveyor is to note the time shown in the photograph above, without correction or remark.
1:50
